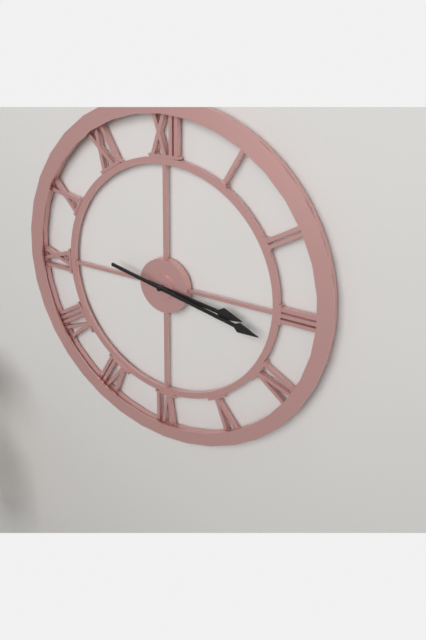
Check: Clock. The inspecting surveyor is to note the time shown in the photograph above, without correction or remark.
3:17
